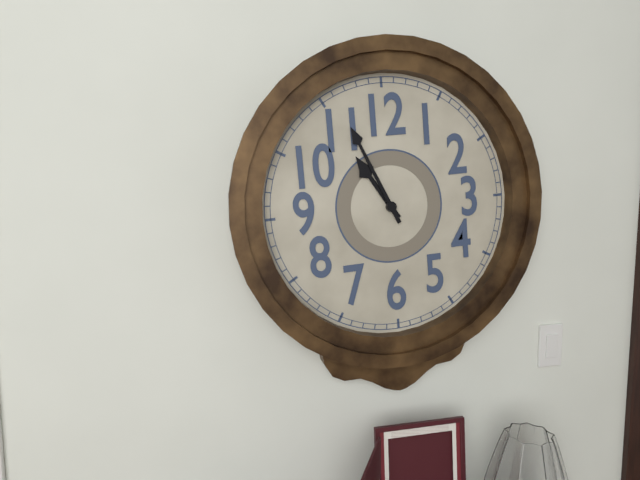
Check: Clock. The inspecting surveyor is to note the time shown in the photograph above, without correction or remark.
10:56
